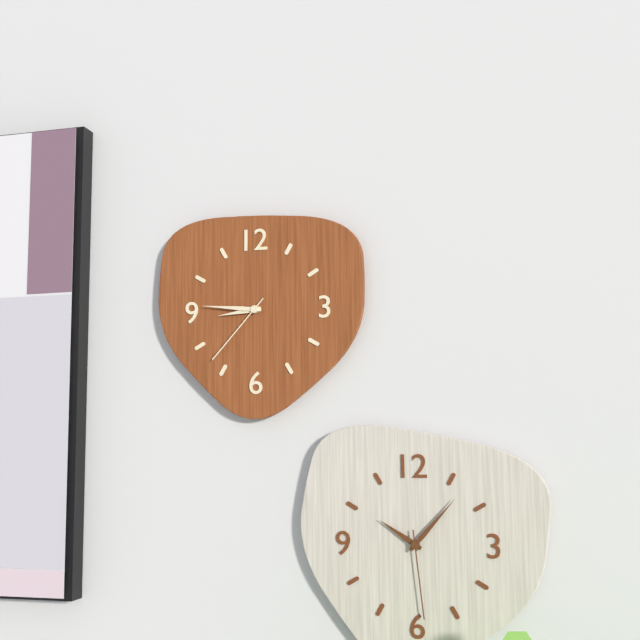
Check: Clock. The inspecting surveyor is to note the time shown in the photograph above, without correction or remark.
8:46:37
